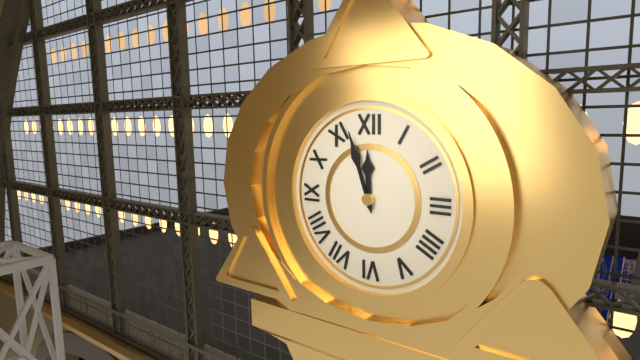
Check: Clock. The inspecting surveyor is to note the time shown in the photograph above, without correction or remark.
11:57
